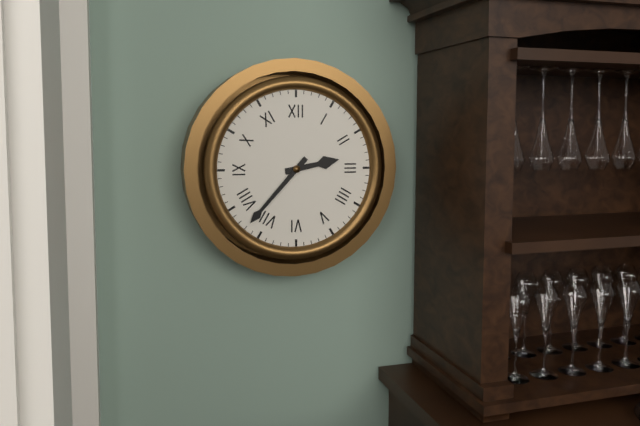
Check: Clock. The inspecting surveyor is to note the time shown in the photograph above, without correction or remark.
2:37
